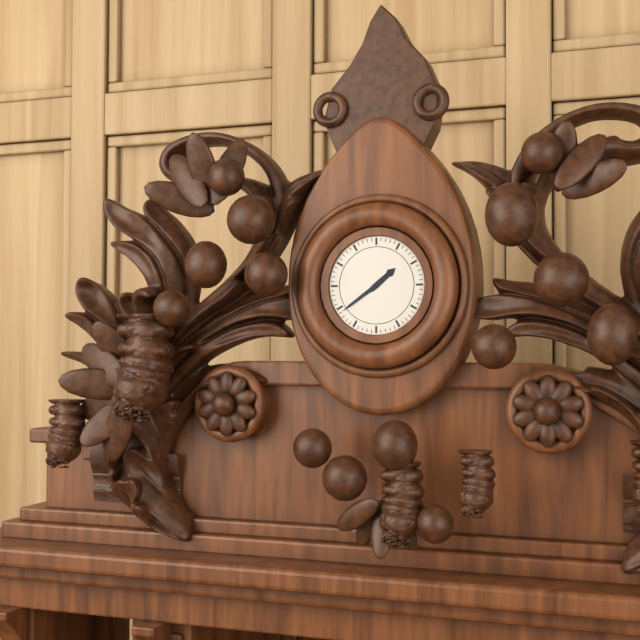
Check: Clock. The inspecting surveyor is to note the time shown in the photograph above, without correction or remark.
1:39
